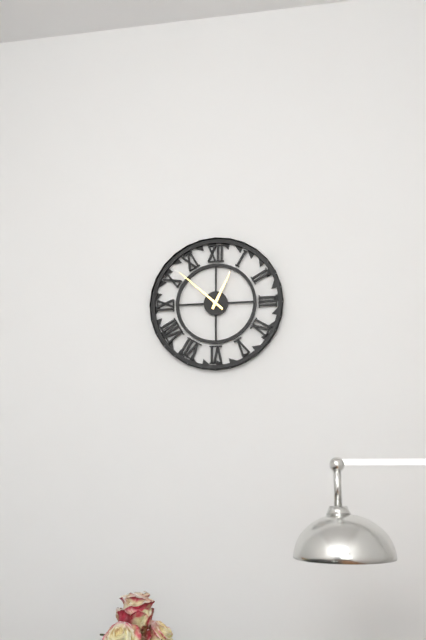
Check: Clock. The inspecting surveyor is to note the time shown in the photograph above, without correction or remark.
12:52
